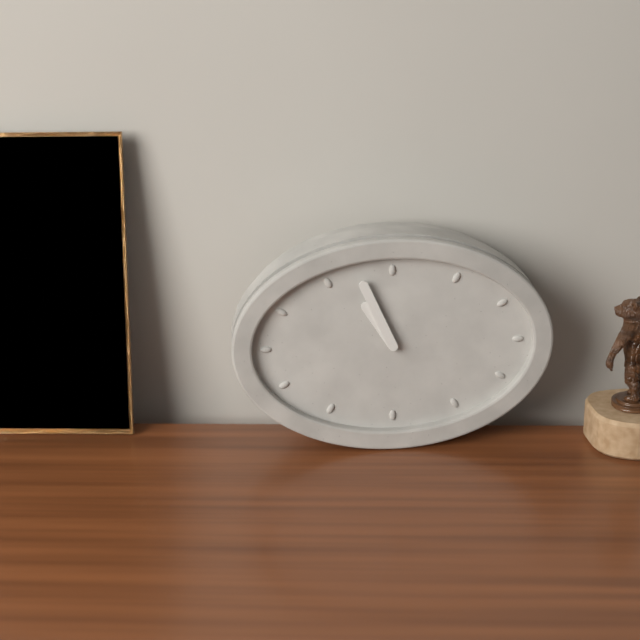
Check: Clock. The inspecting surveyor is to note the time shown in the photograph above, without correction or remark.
10:56
